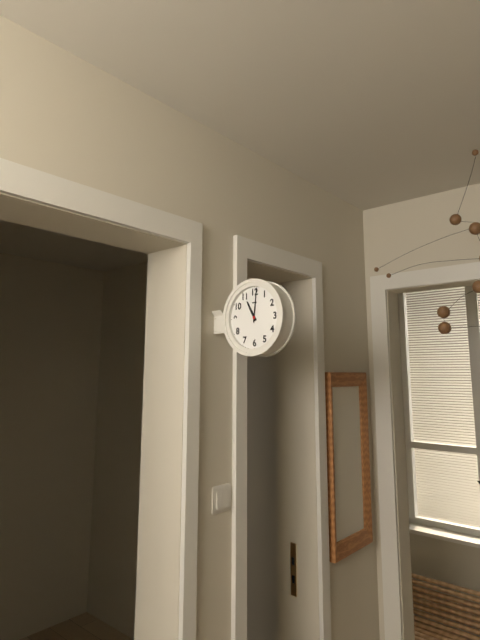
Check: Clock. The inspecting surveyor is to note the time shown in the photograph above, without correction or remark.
11:01
